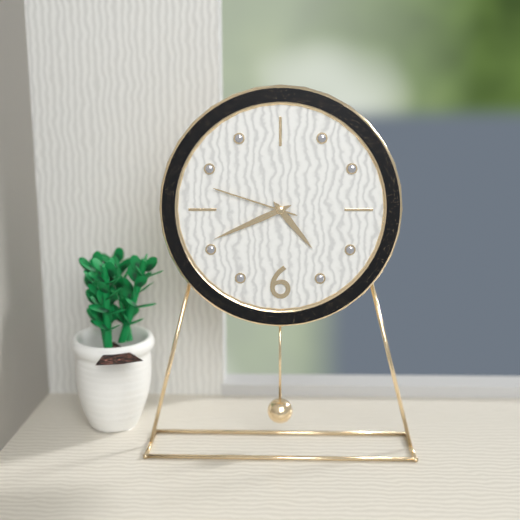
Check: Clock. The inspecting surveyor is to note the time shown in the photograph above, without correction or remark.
4:41:48
